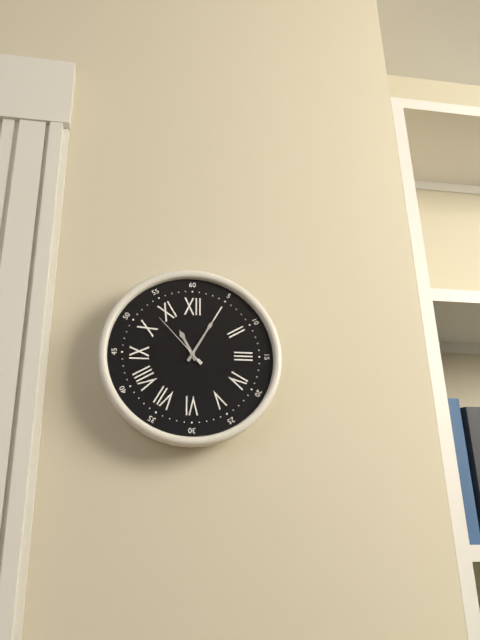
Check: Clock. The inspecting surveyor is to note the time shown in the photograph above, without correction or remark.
11:05:53
